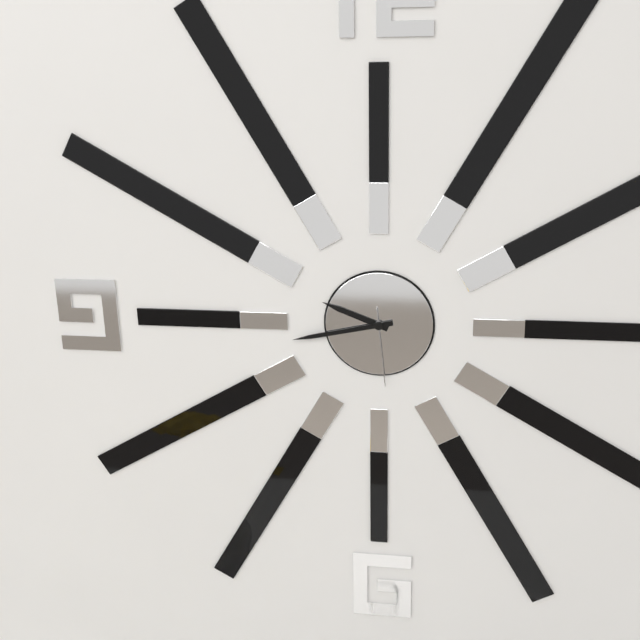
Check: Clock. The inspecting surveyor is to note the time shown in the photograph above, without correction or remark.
9:43:29
